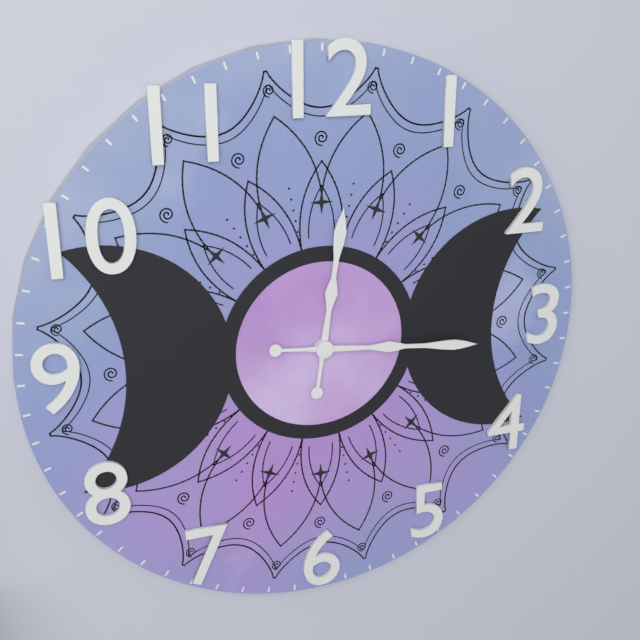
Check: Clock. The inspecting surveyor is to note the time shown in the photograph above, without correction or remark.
12:16
